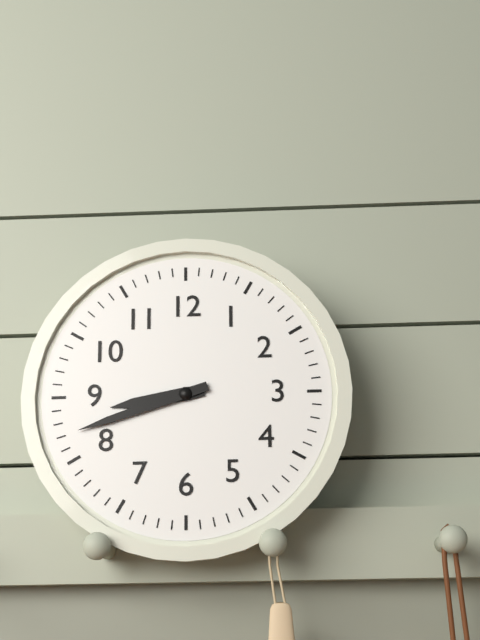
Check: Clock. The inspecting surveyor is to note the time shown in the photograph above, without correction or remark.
8:42
